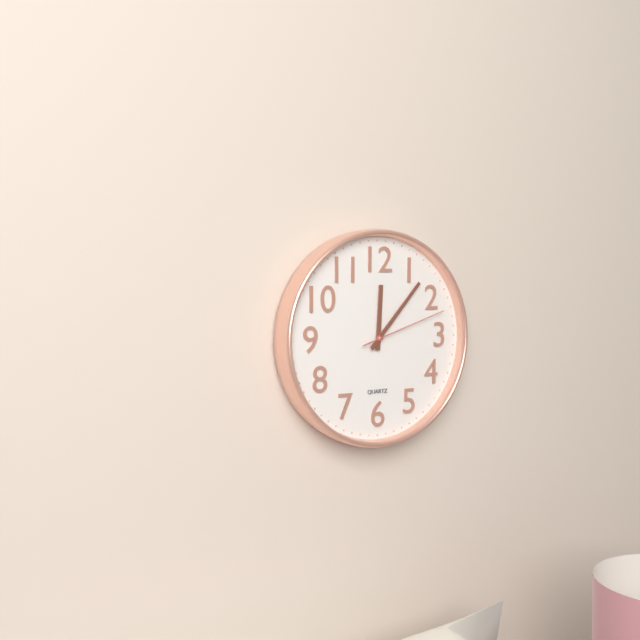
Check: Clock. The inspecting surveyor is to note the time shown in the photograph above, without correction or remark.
12:07:12
